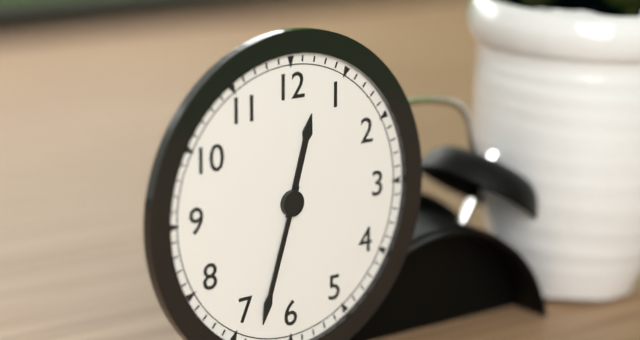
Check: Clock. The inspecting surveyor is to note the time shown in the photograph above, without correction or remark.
12:33
